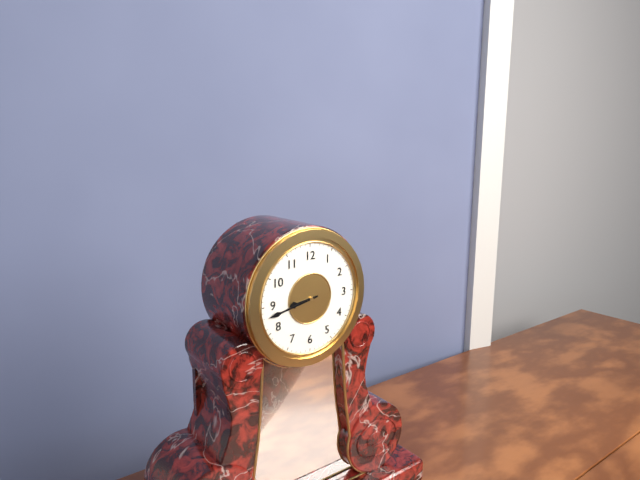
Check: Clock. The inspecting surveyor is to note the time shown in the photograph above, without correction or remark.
8:43
